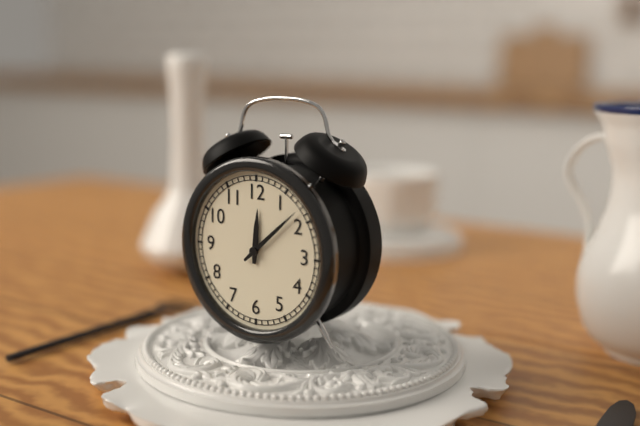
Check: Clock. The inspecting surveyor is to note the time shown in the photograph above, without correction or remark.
12:08
